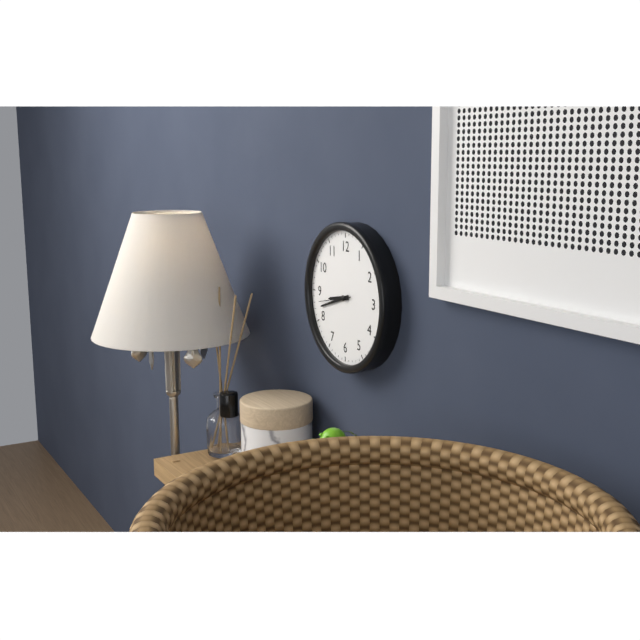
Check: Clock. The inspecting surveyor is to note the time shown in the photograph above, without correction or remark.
8:42
